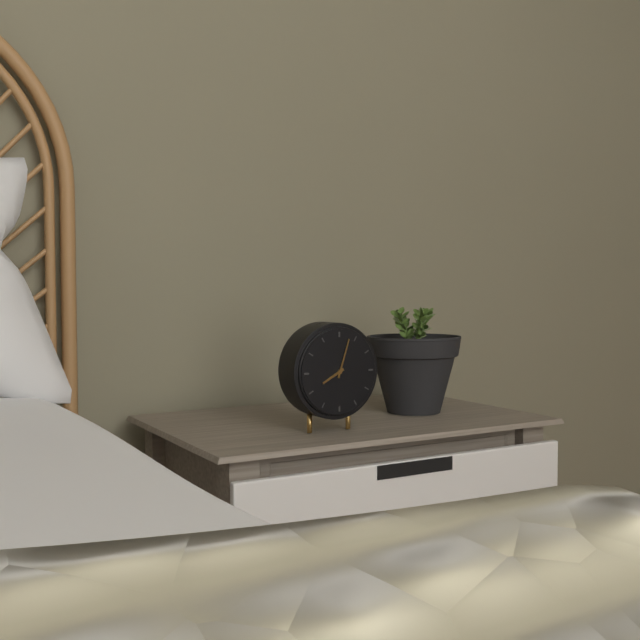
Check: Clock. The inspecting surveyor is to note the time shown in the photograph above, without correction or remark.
8:03
